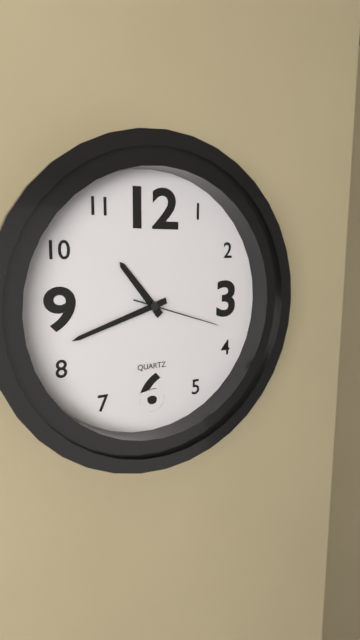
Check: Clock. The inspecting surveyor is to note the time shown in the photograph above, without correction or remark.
10:42:18
